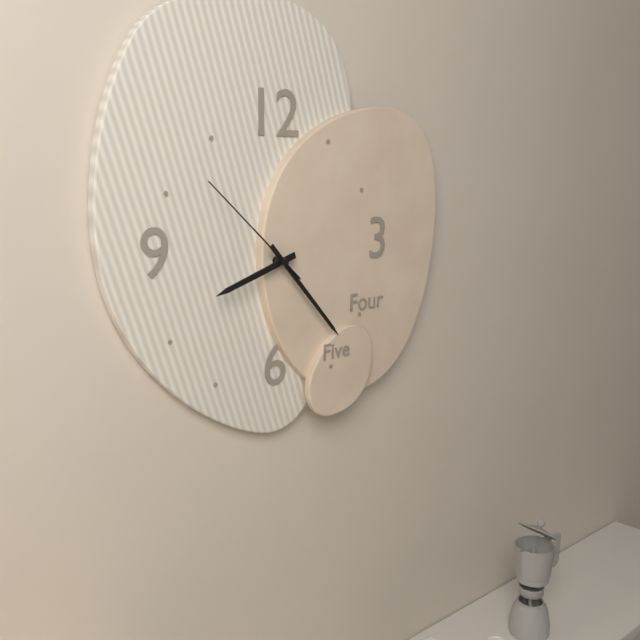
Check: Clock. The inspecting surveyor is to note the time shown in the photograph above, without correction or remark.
8:23:52
